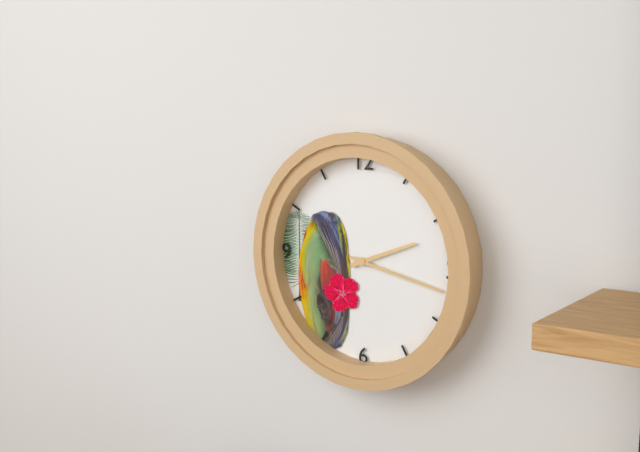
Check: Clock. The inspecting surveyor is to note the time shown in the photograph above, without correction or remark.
2:17
